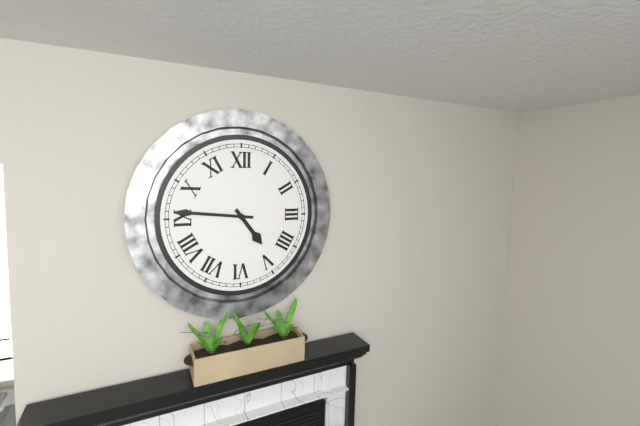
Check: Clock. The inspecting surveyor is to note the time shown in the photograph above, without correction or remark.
4:46
